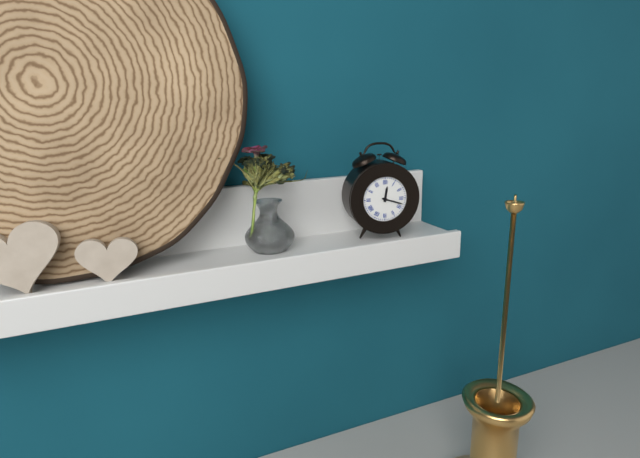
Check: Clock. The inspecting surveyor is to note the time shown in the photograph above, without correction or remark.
12:18
